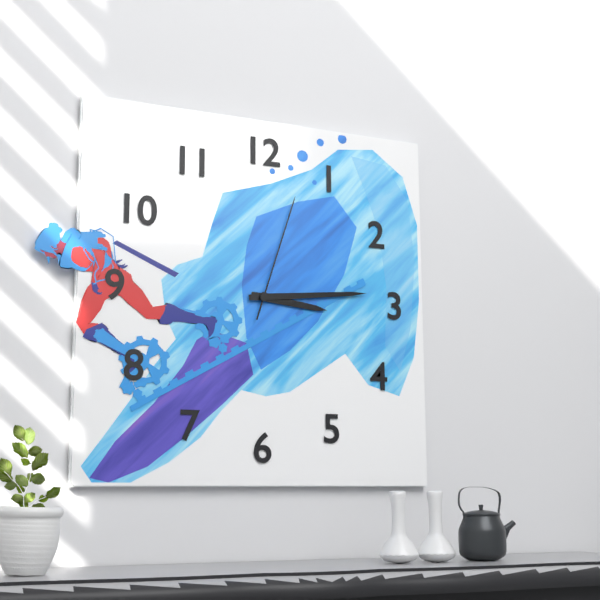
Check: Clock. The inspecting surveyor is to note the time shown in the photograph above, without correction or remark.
3:14:03
